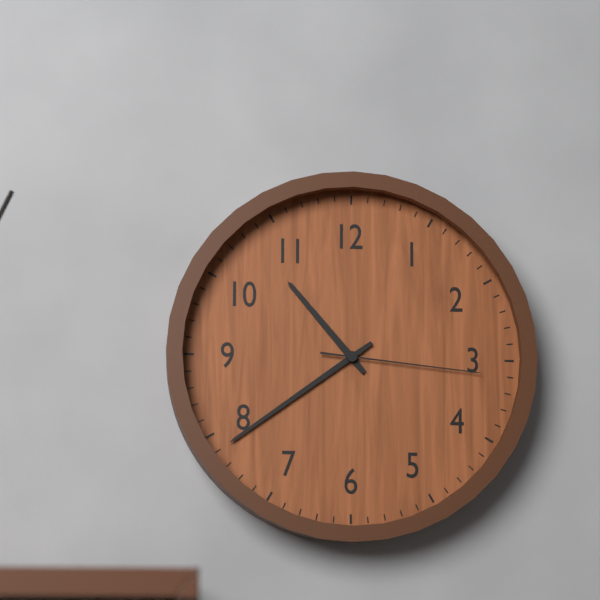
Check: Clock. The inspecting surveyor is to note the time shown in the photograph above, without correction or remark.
10:39:16
